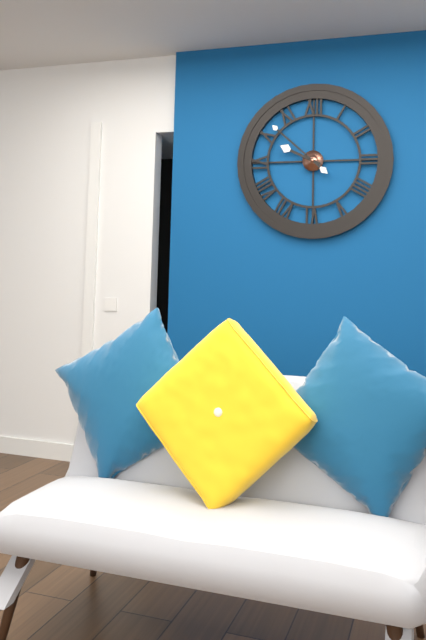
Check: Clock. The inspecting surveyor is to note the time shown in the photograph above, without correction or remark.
9:52
